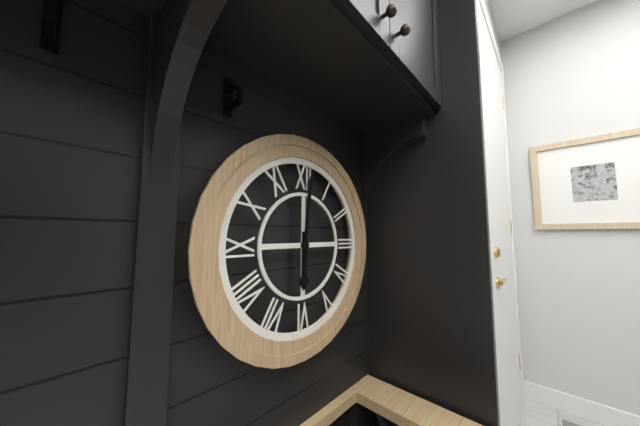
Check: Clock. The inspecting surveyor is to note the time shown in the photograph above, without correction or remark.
6:01
